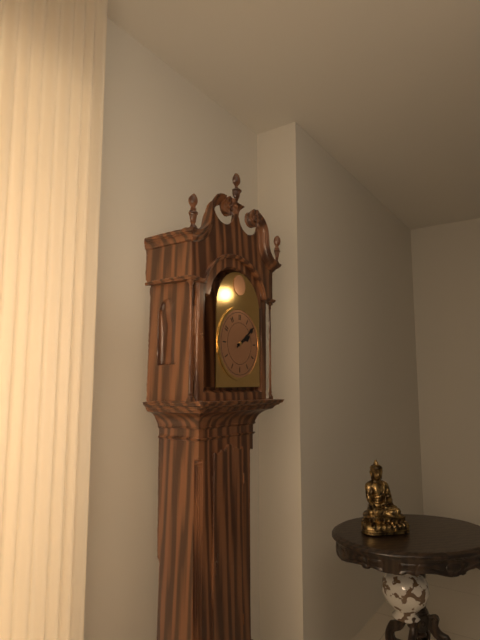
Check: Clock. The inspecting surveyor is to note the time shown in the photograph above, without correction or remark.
2:09
